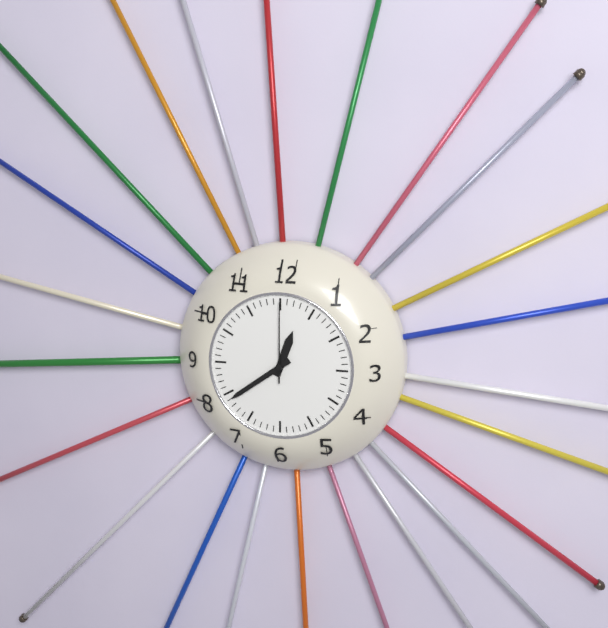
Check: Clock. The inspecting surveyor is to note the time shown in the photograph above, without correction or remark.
12:39:00
